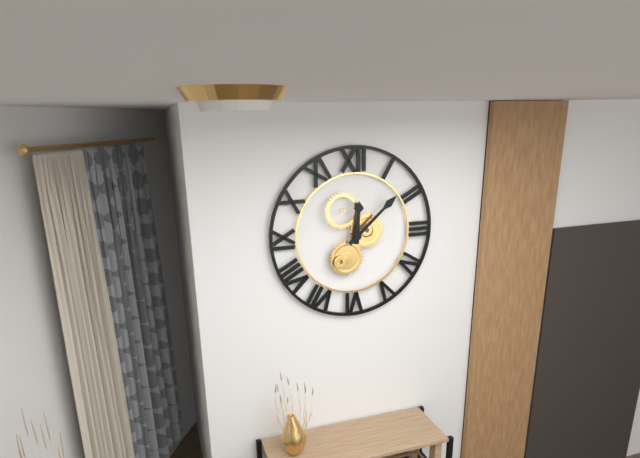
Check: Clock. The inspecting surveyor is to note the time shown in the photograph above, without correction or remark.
12:08
